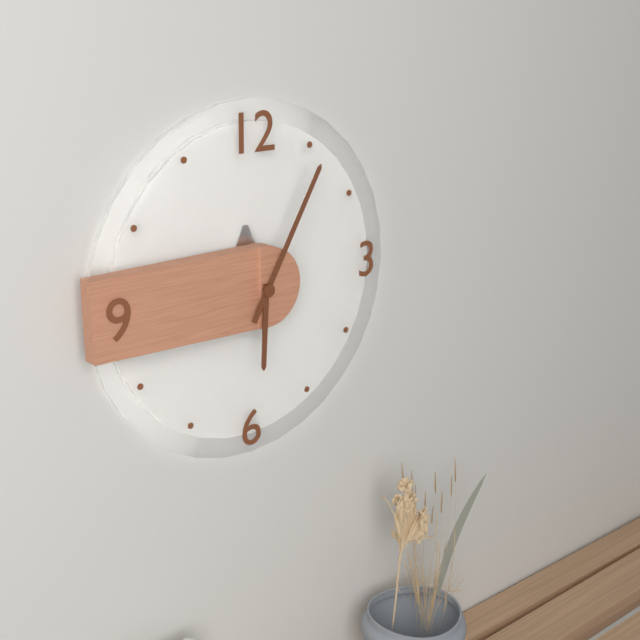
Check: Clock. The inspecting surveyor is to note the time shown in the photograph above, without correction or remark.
6:05
